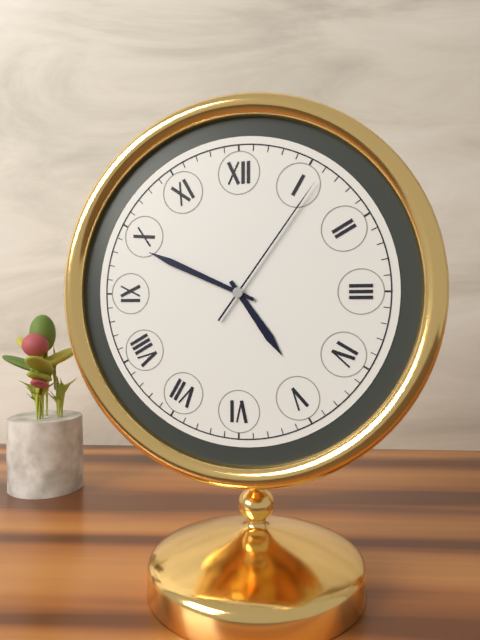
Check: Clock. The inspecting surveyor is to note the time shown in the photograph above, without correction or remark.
4:49:06
